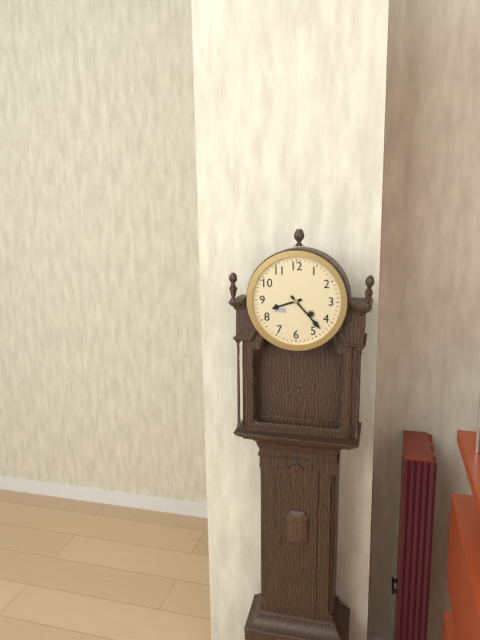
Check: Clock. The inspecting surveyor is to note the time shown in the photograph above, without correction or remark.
8:23
